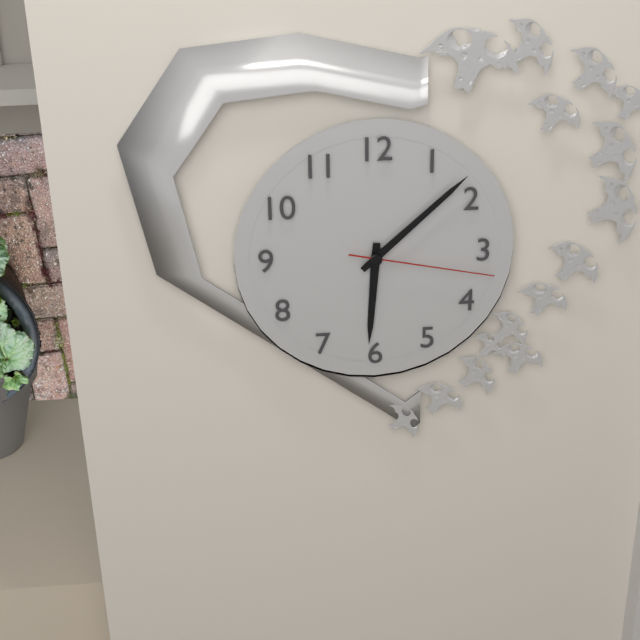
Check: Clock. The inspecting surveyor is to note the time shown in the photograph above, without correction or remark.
6:08:17
